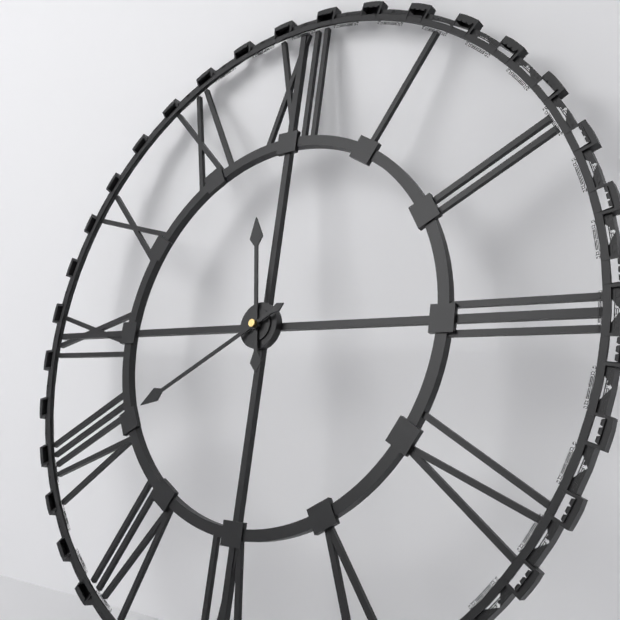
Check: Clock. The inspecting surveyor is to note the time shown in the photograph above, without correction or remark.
11:40
